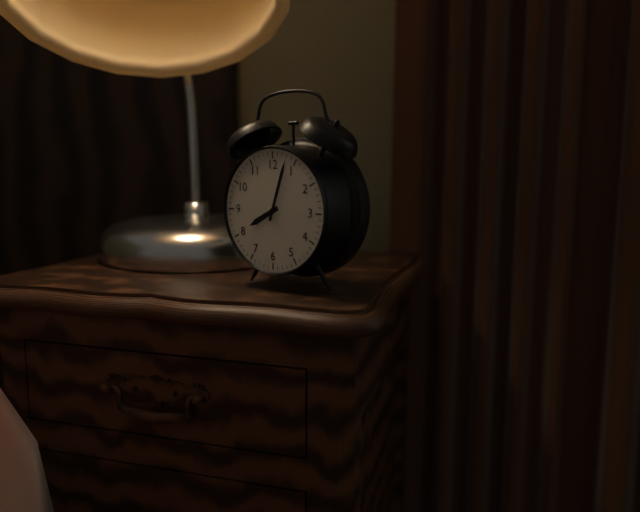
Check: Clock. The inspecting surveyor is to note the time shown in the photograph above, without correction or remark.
8:03
